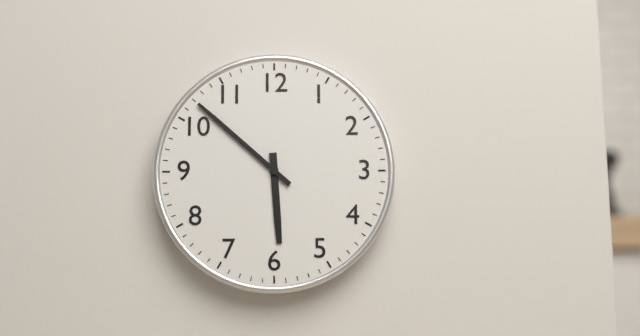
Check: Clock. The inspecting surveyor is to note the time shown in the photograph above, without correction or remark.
5:52
